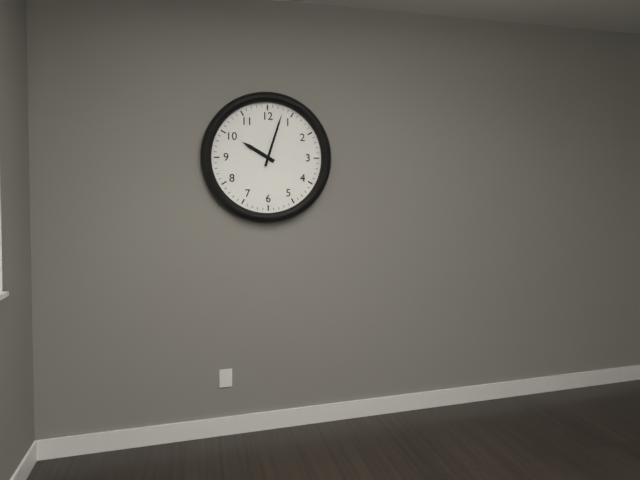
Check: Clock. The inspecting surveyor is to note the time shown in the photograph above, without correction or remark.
10:03
